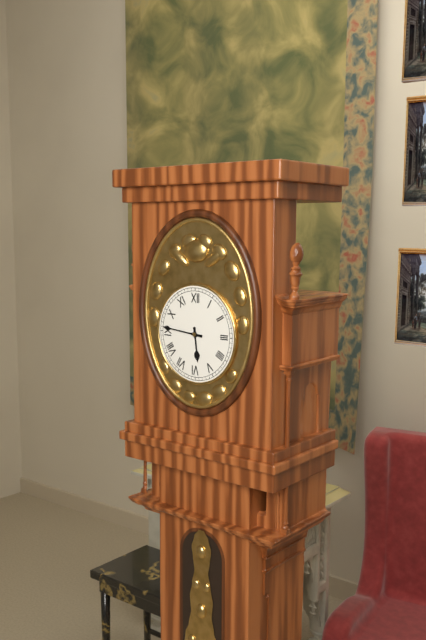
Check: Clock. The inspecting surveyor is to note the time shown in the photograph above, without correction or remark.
5:46
